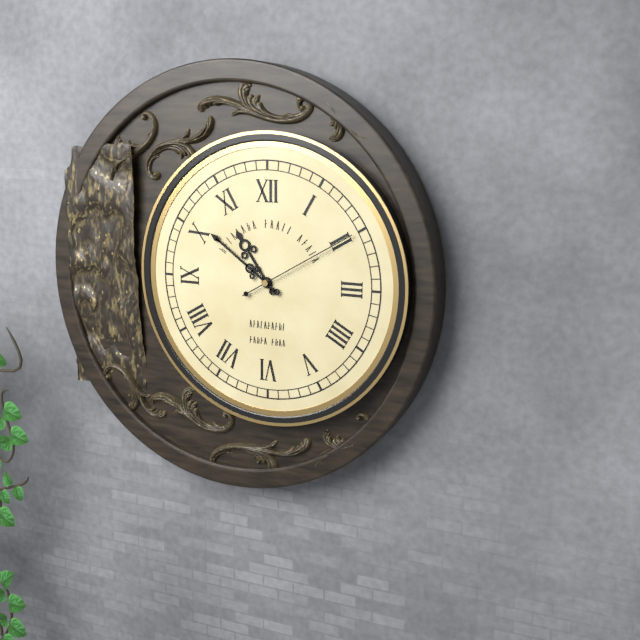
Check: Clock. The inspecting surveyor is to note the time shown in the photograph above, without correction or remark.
10:51:10
